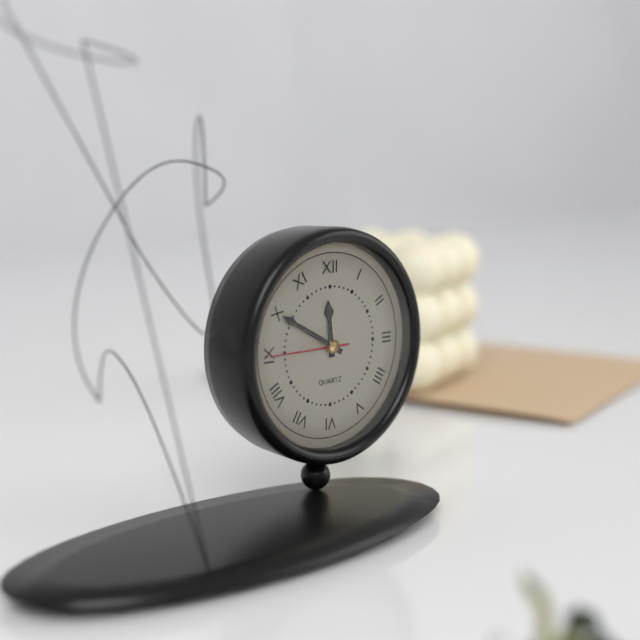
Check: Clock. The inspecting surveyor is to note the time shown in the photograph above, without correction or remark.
11:50:45
